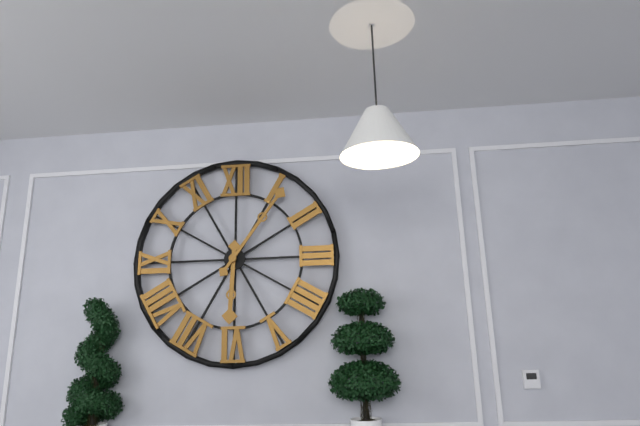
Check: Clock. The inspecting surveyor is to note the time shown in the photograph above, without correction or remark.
6:06
